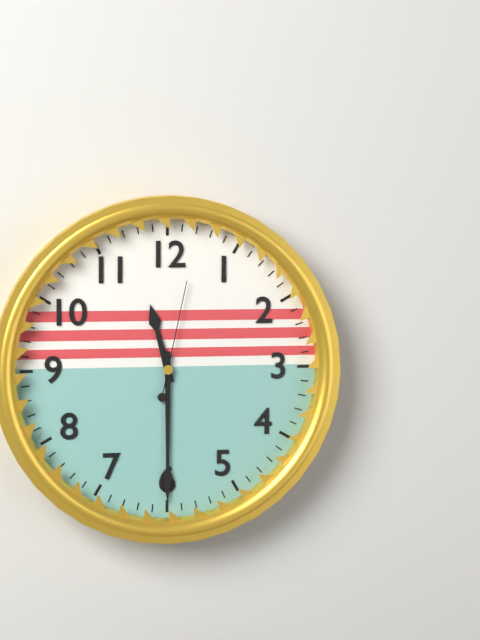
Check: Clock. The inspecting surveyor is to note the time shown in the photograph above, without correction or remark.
11:30:02
